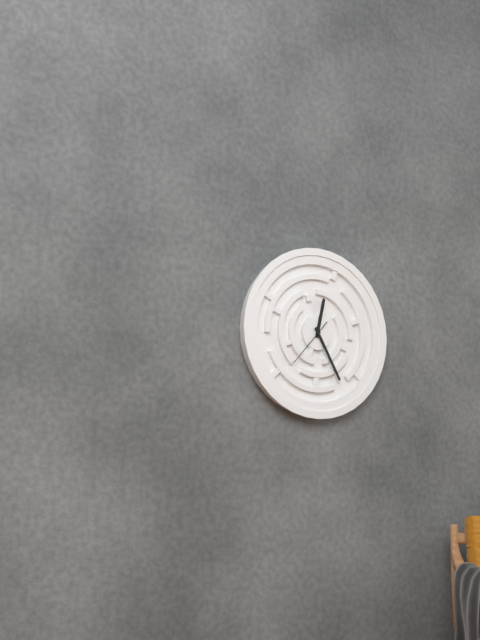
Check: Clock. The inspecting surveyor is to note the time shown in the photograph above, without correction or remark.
12:25
